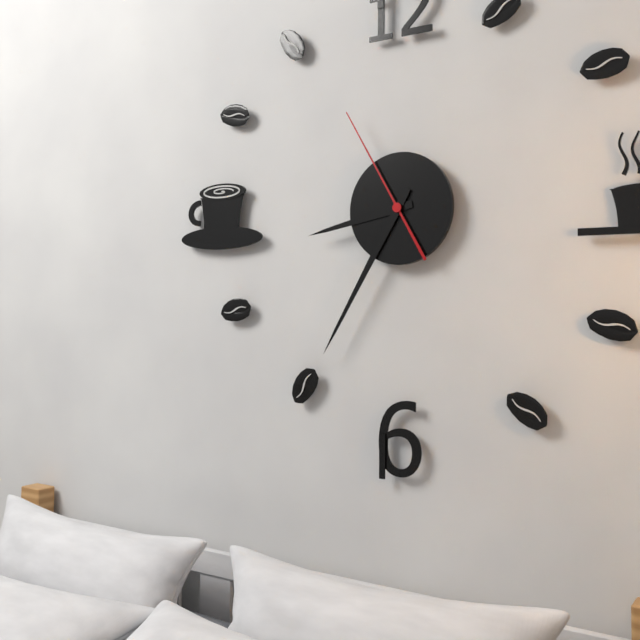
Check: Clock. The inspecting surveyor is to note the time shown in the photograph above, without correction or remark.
8:35:55
